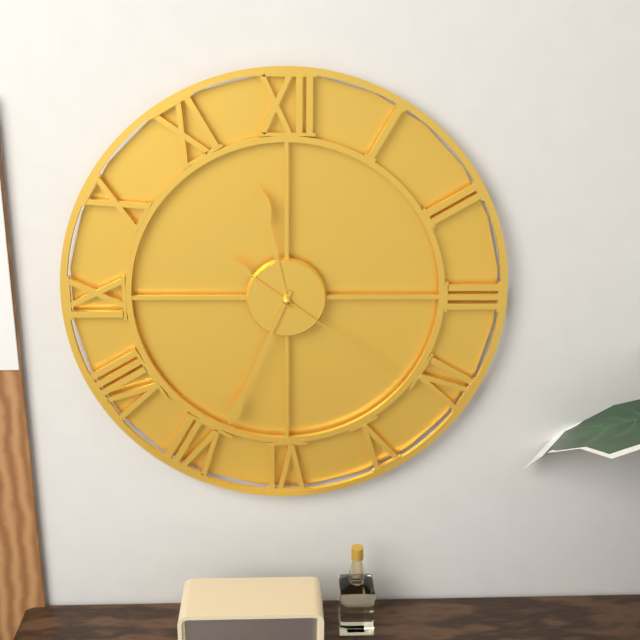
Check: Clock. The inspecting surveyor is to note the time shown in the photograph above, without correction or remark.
11:34:21
